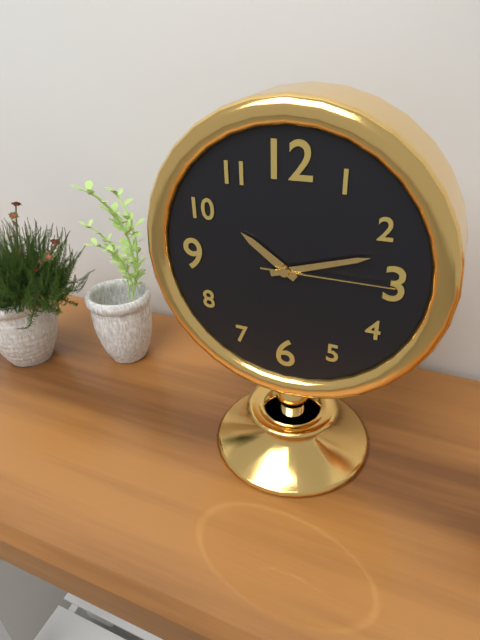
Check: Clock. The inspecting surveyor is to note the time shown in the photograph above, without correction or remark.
10:12:15
